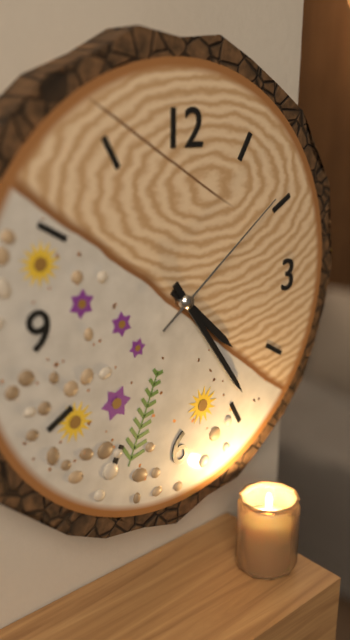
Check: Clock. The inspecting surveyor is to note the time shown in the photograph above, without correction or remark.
4:24:09
